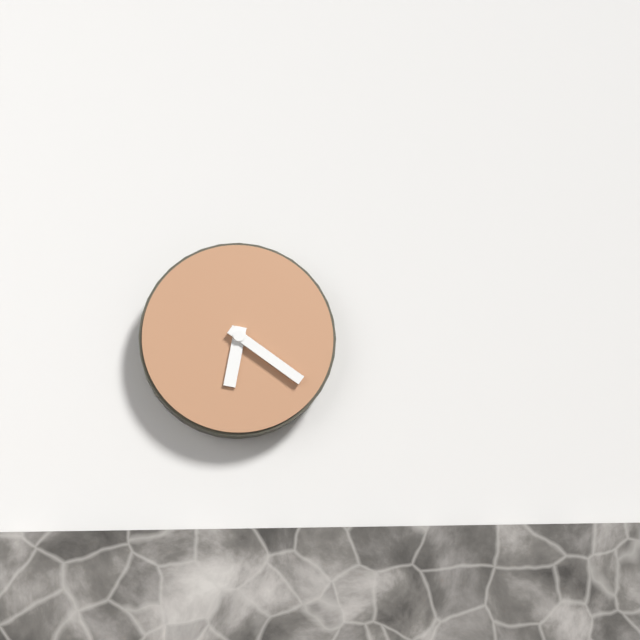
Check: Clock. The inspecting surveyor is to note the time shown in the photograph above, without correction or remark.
6:21
